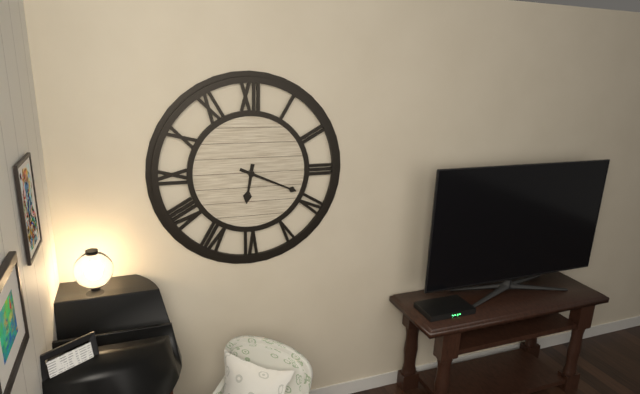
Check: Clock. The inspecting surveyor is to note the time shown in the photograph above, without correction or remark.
6:19
